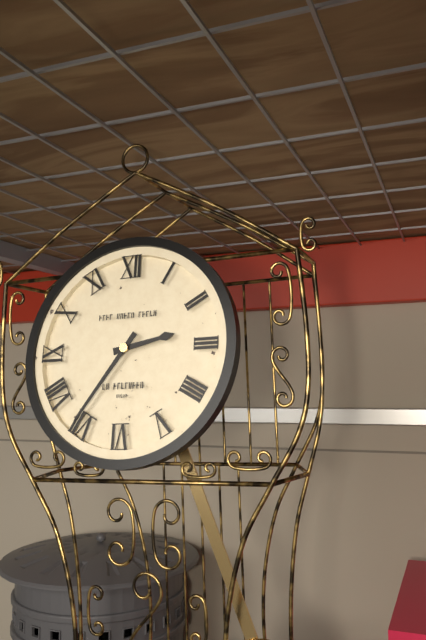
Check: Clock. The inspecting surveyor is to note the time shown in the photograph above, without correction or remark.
2:36
